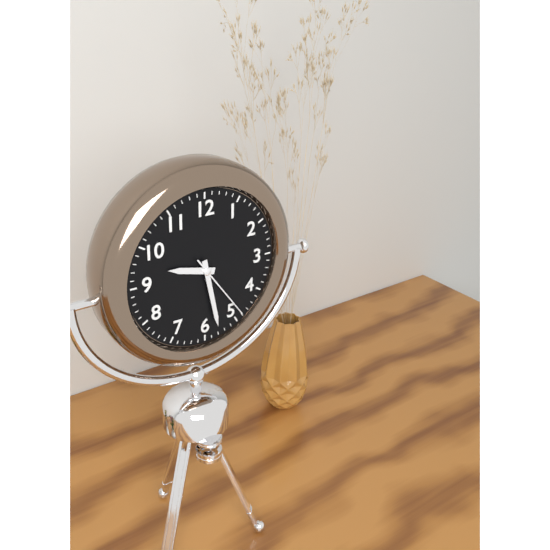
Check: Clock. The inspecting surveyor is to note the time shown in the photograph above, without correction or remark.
9:28:24
